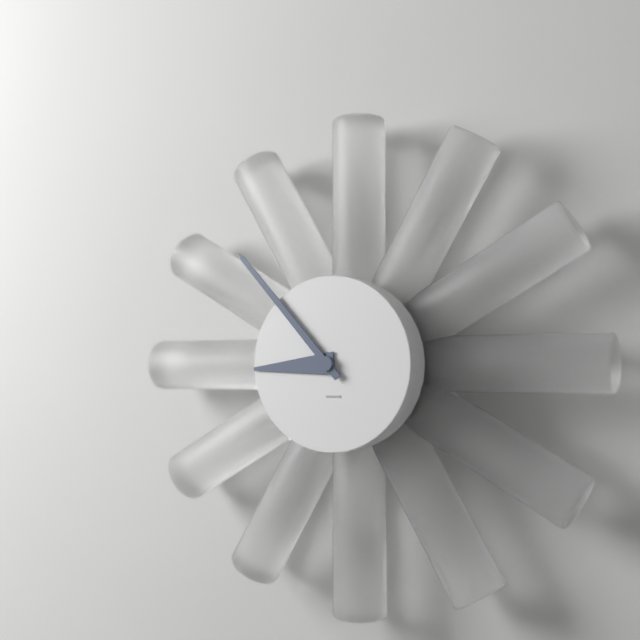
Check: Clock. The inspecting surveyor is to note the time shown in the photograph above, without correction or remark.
8:53
